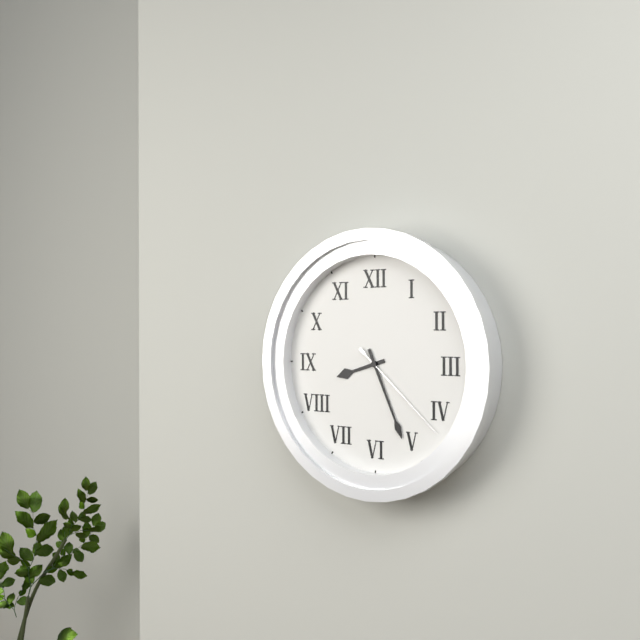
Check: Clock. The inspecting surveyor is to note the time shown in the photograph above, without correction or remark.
8:26:22
